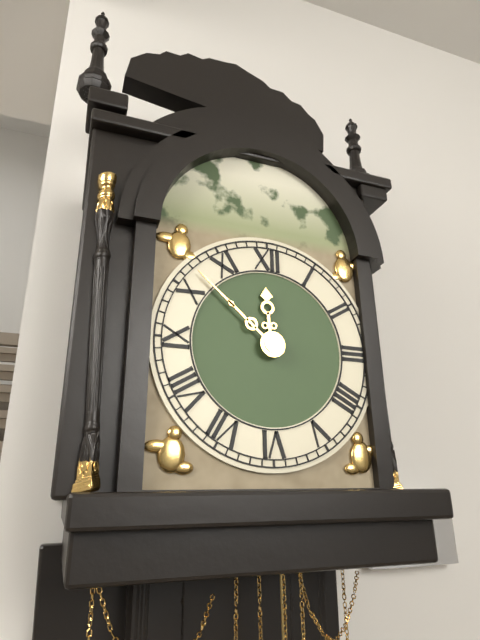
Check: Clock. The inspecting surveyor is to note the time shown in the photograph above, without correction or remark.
11:52
